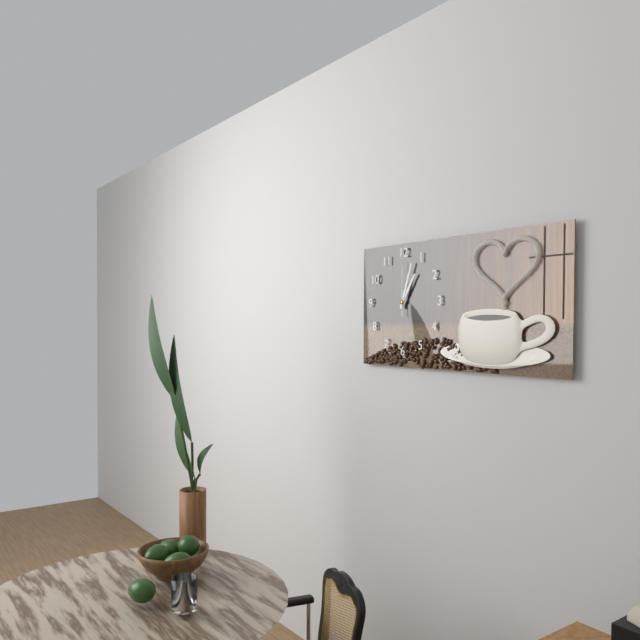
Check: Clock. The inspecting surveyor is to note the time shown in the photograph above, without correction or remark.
1:03
